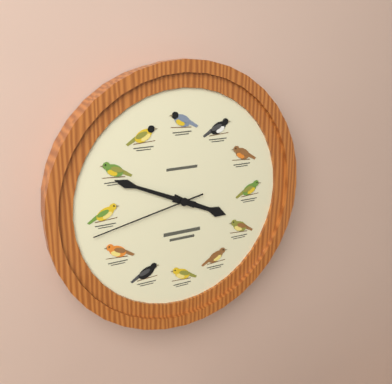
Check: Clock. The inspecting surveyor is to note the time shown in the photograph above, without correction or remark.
3:49:43
